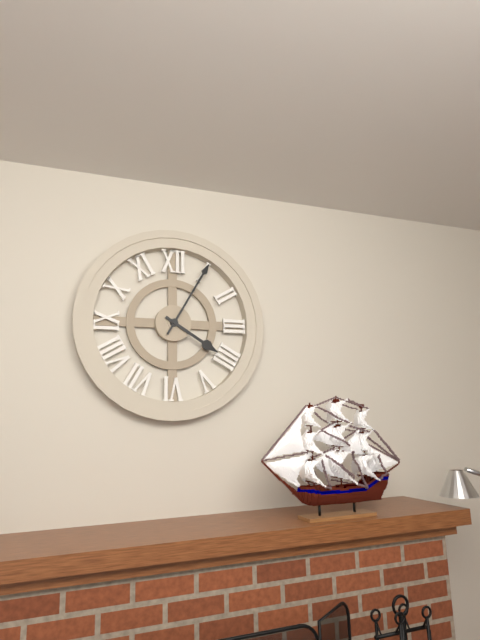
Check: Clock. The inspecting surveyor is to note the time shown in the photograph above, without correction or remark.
4:05
